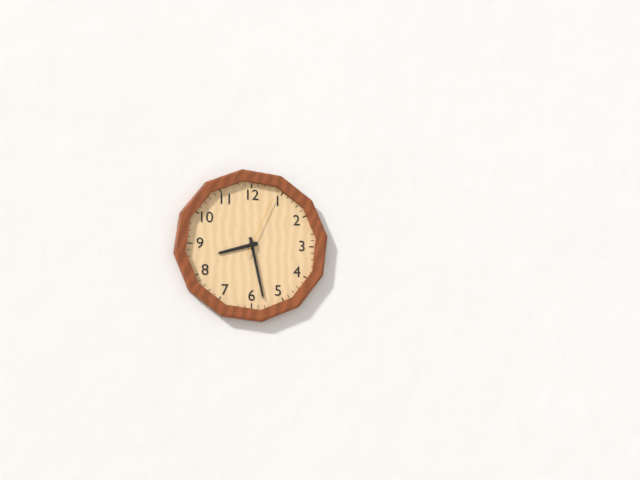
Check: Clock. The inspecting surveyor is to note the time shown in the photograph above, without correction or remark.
8:28:04
